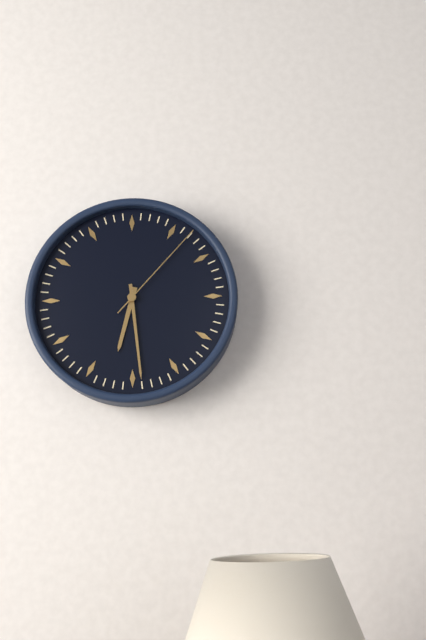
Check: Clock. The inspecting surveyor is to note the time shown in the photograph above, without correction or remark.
6:29:07
